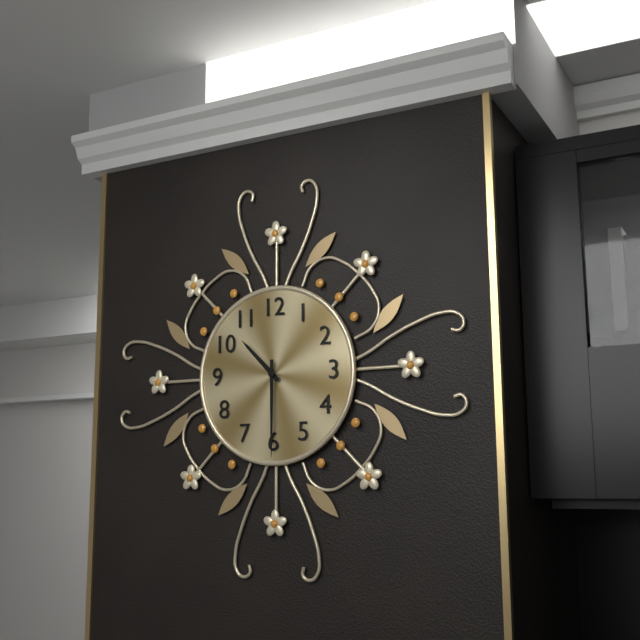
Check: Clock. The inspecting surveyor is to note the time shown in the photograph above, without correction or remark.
10:30
